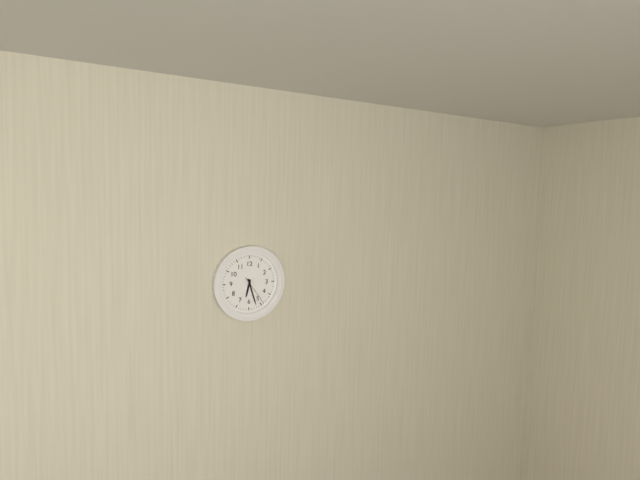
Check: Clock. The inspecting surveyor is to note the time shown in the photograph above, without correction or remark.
6:27
